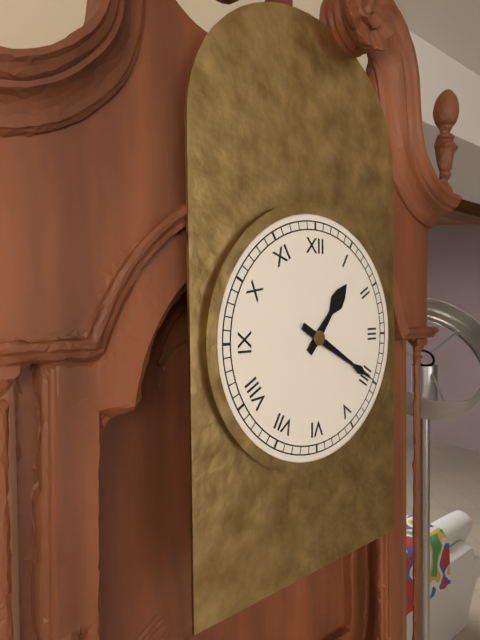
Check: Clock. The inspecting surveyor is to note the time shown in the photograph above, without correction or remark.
1:20
